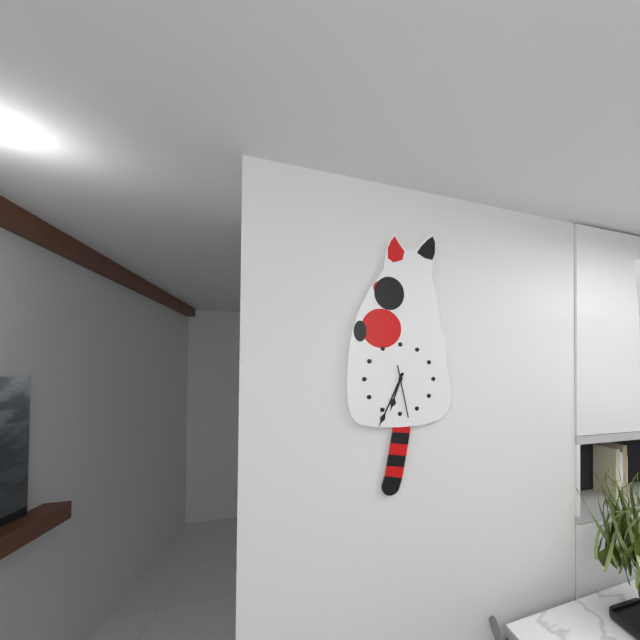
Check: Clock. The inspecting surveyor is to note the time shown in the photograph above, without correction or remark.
6:34
